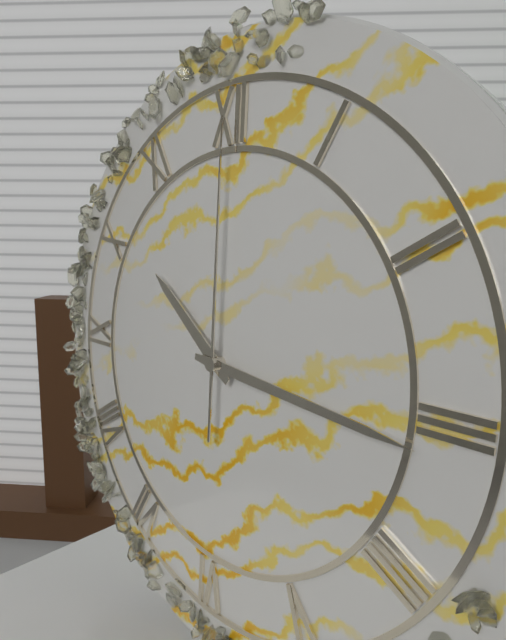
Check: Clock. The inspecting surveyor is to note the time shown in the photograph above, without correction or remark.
10:16:00
